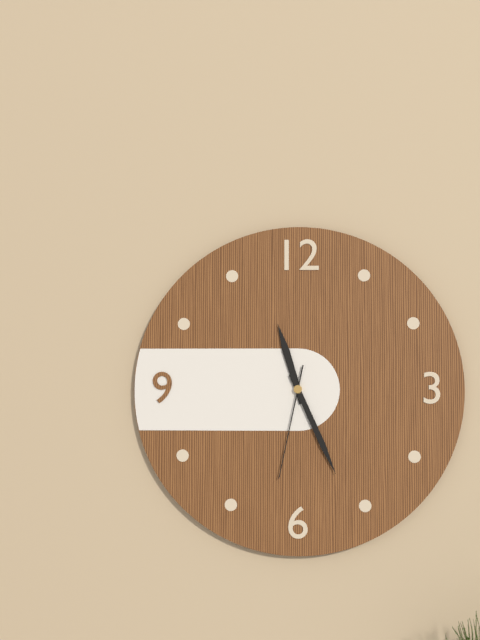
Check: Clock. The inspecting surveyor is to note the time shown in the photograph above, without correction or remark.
11:26:32
